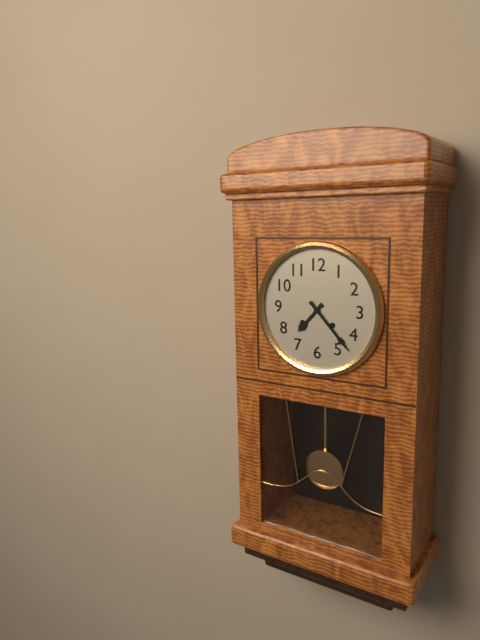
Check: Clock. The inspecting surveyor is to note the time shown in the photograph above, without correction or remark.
7:23
